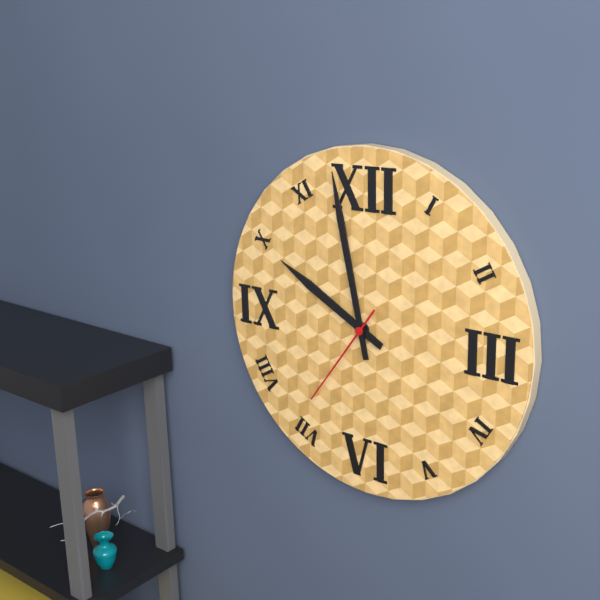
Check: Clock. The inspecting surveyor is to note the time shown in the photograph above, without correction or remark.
9:58:36
